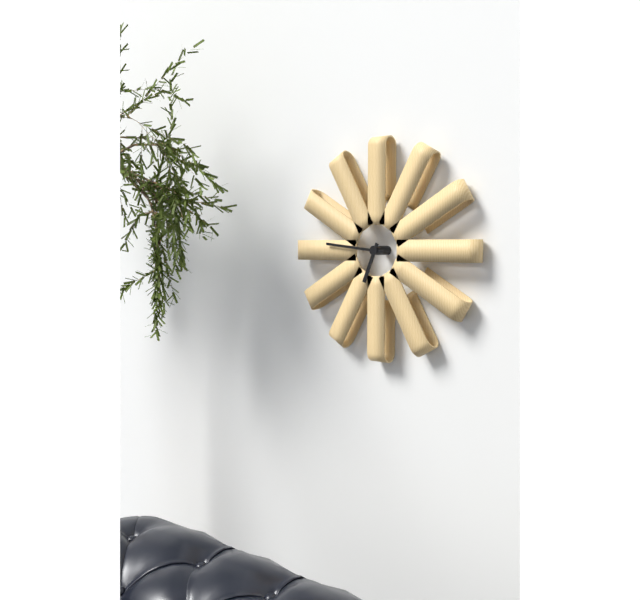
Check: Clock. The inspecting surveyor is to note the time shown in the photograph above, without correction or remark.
6:46
